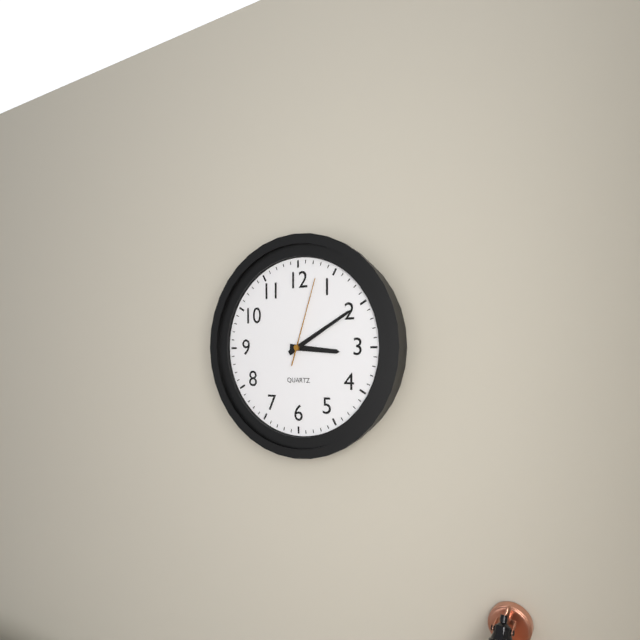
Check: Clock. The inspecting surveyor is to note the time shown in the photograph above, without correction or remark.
3:10:03
